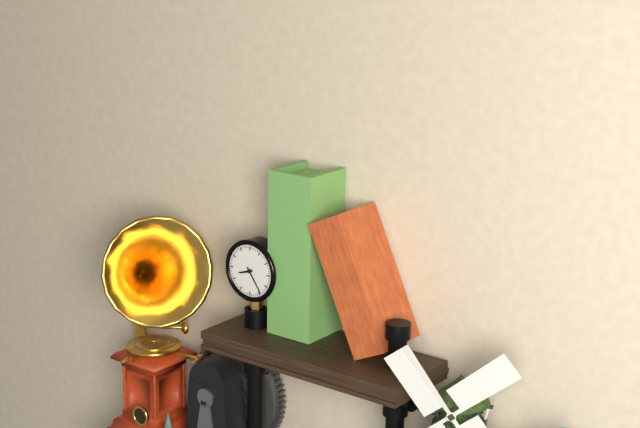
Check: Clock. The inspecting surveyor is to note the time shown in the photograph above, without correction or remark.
8:24
